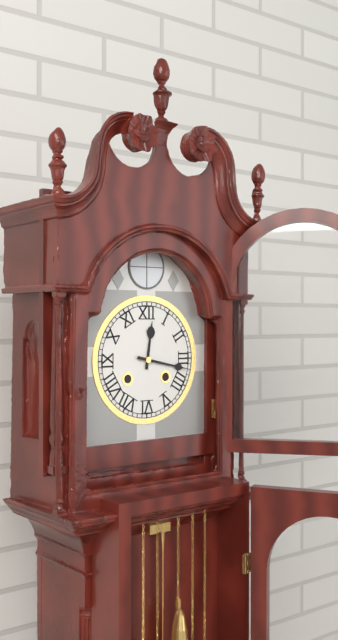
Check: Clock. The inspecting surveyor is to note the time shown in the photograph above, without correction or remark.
12:17
